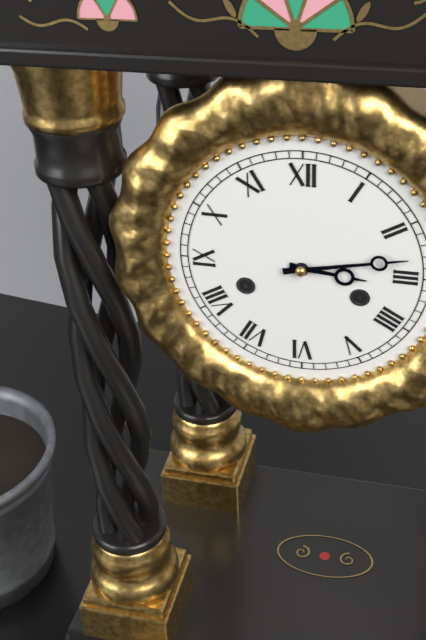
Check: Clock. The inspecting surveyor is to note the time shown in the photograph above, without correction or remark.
3:13
